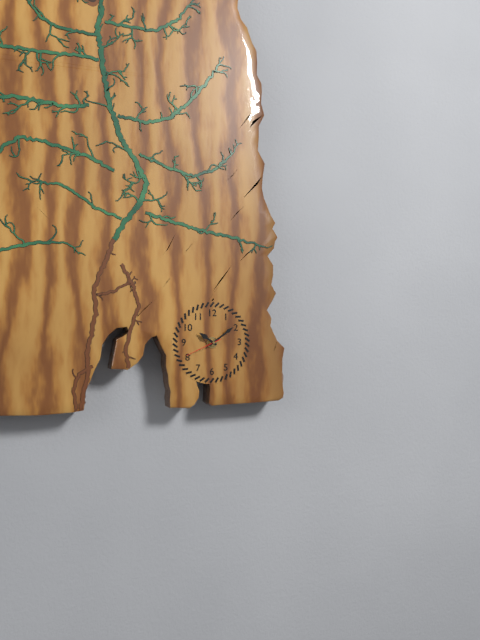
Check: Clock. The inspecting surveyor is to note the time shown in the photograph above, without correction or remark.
10:09
